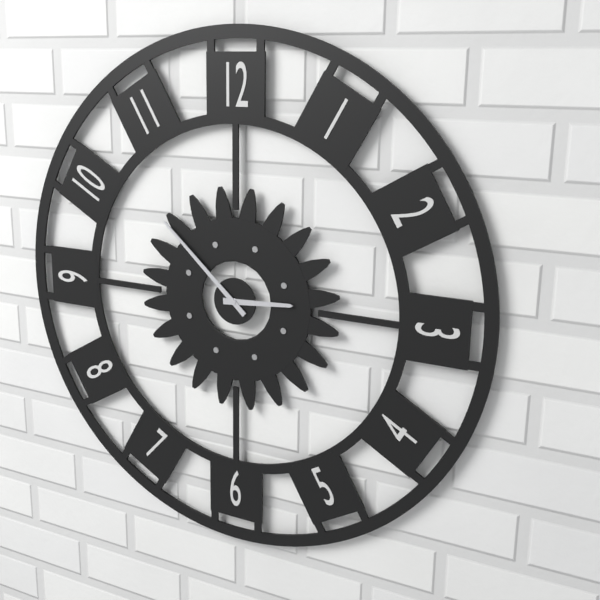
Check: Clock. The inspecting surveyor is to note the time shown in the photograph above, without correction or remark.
2:52
